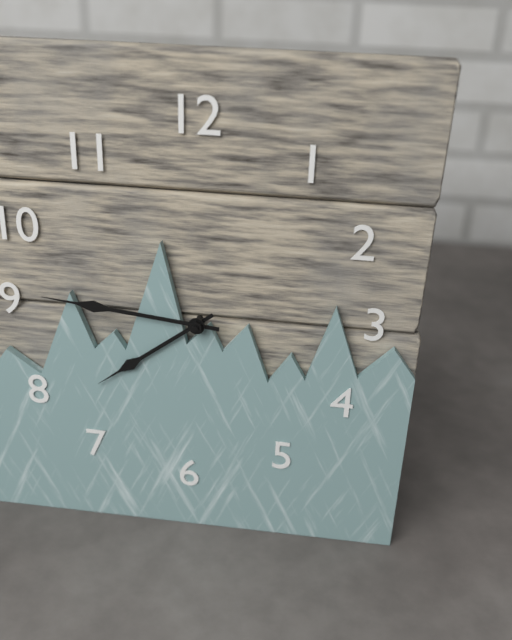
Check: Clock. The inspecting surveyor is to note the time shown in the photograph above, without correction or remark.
7:46
